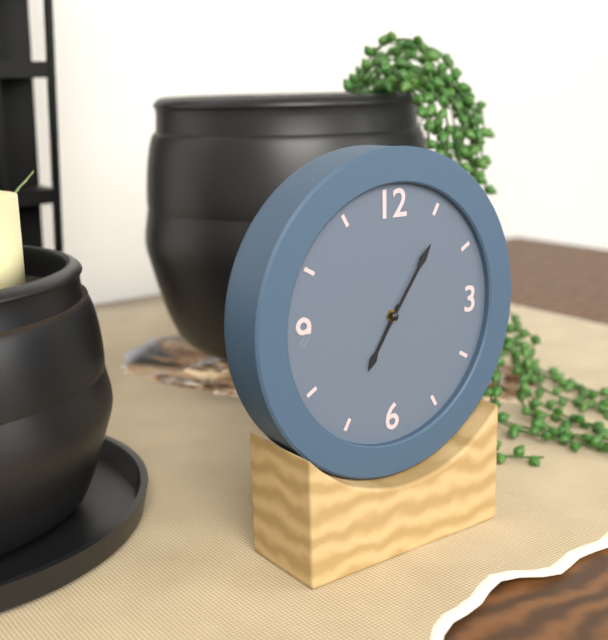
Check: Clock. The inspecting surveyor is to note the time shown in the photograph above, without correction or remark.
7:06
